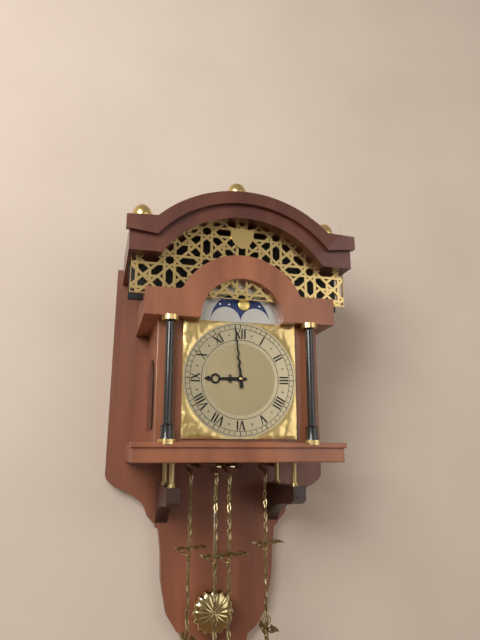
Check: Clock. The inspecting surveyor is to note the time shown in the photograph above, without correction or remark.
8:59
